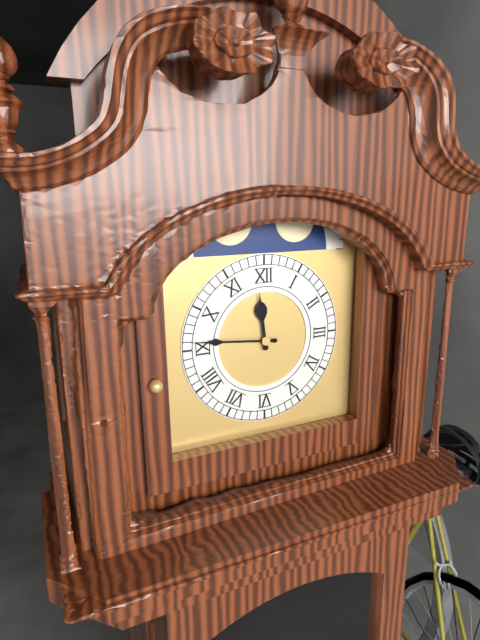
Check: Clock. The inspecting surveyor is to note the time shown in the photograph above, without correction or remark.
11:46
